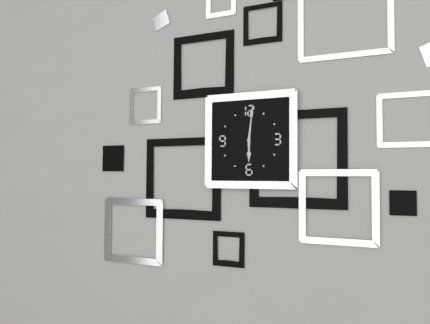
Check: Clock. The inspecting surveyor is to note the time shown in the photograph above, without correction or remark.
6:01
